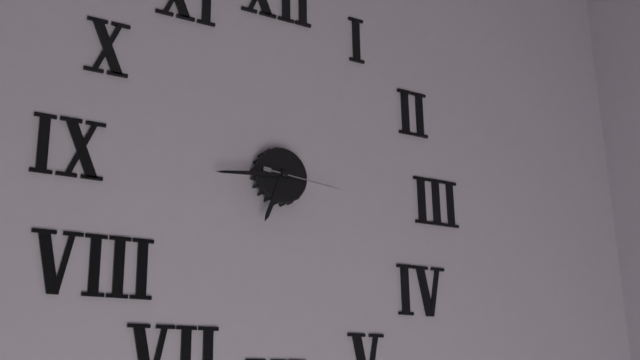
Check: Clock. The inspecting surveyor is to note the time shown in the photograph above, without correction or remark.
6:44:16
